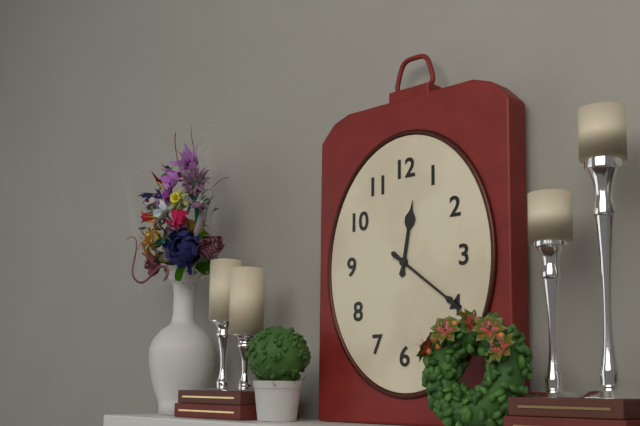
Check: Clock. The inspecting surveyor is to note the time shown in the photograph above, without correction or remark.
12:21
